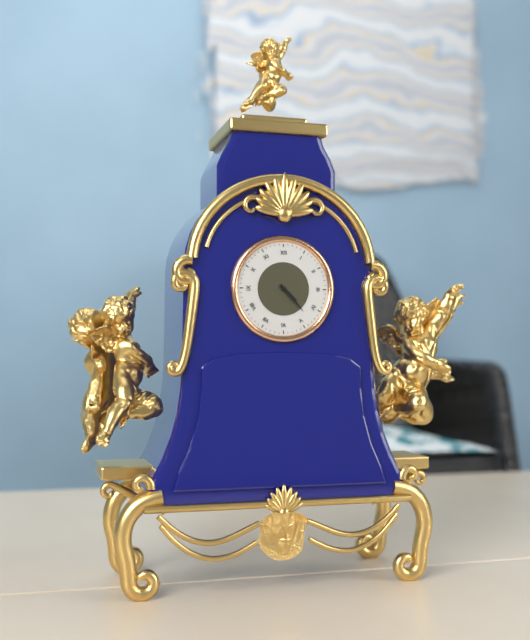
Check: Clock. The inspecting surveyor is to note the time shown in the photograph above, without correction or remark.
4:23
